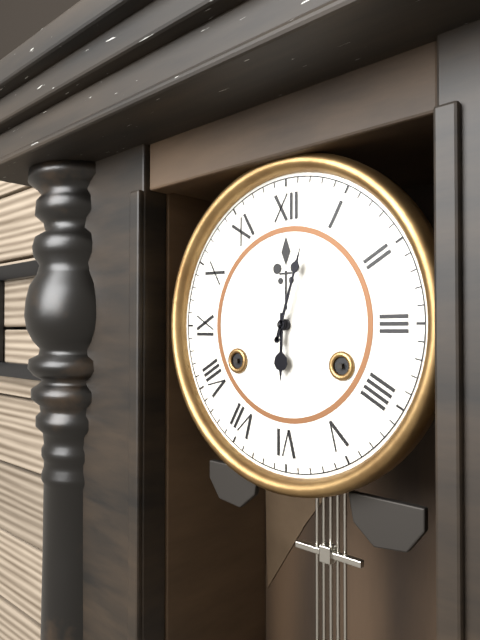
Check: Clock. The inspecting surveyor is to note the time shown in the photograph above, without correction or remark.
6:03
